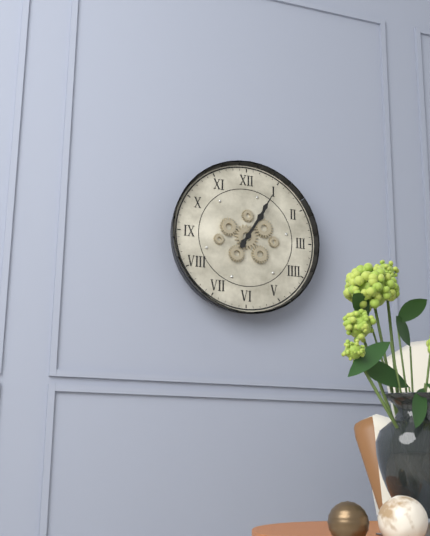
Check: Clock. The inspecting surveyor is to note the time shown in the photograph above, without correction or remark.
1:05
